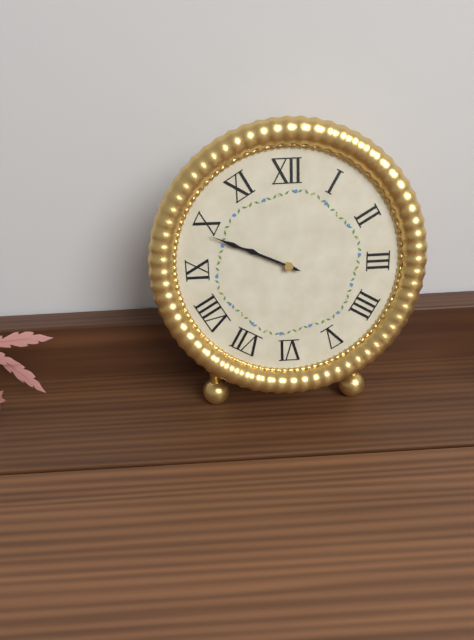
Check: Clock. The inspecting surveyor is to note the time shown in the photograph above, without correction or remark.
9:49
